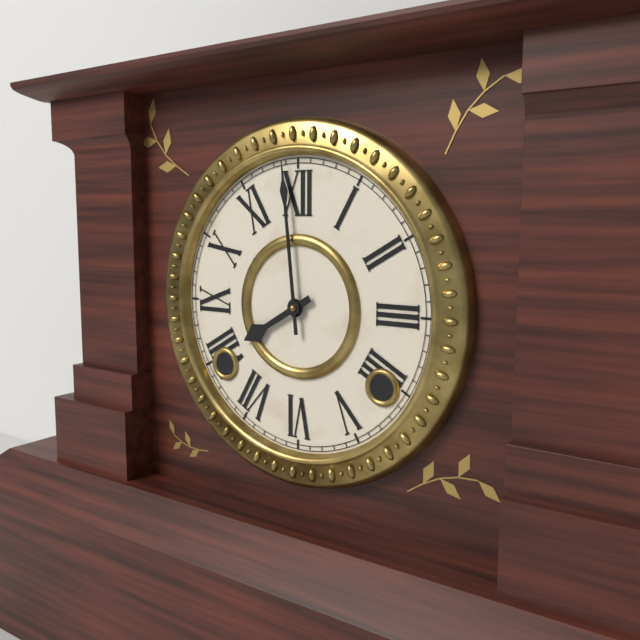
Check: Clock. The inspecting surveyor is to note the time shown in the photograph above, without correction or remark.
7:59
